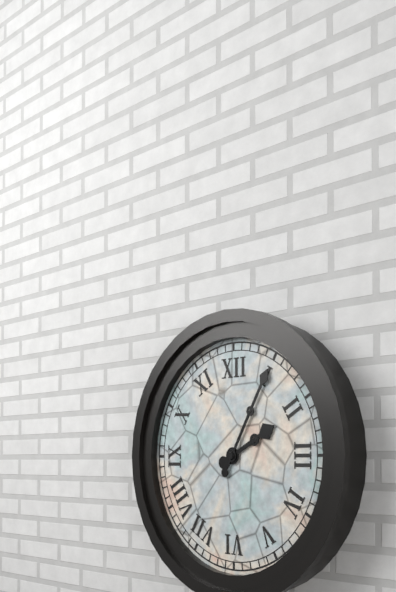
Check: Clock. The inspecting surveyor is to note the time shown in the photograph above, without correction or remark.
2:05
